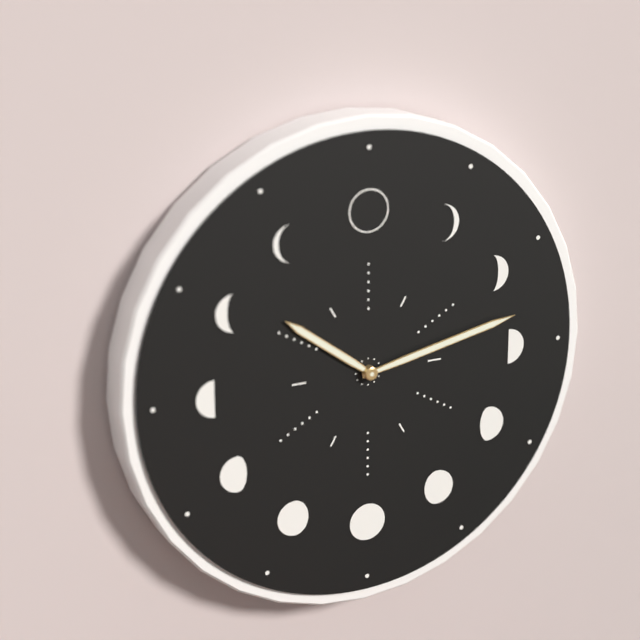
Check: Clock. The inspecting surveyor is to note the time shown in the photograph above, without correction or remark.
10:13
